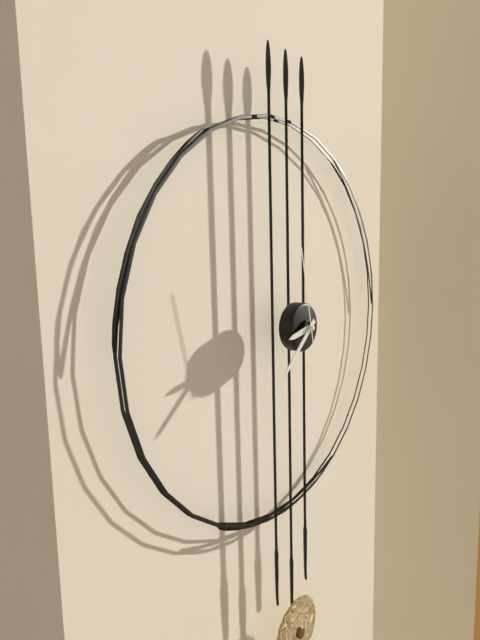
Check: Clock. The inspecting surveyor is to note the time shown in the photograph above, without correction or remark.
8:38:58
